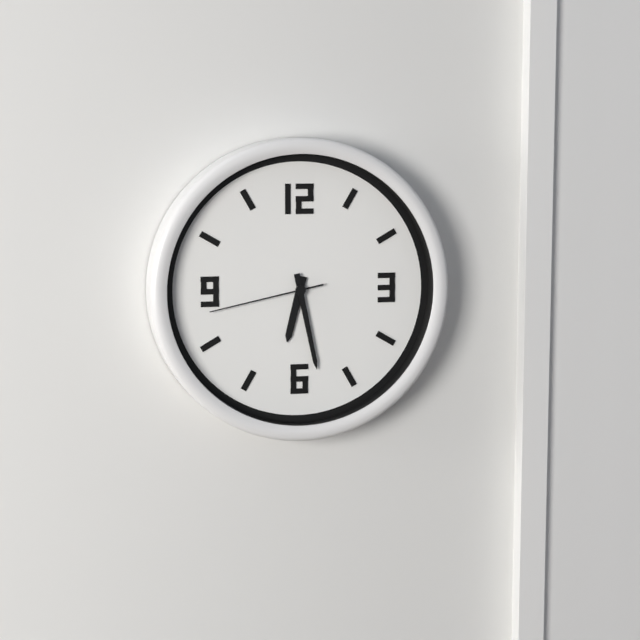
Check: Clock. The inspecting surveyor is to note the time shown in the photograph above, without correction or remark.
6:28:43
